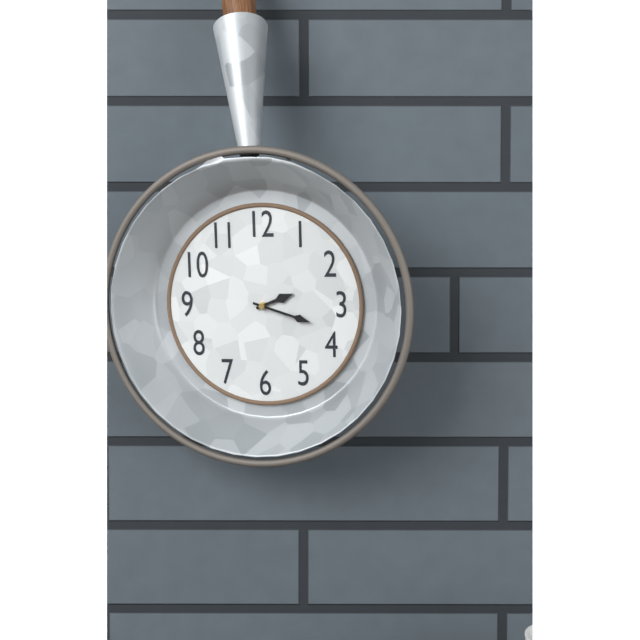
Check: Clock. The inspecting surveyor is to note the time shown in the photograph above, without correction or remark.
2:18
